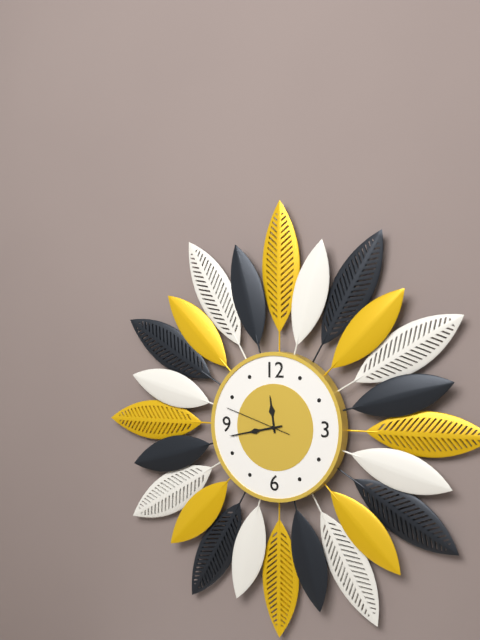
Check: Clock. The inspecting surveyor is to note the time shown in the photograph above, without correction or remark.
11:43:48
